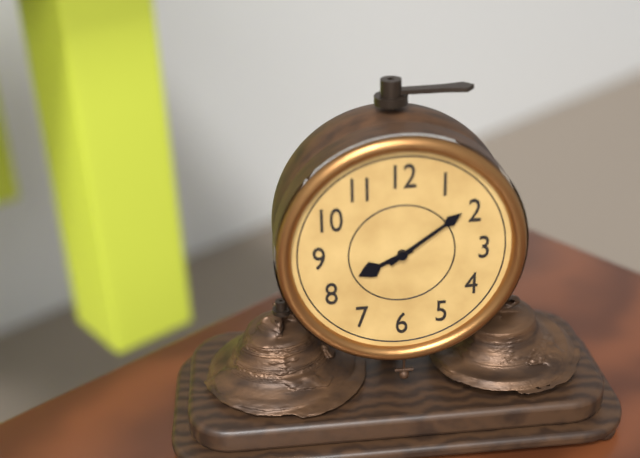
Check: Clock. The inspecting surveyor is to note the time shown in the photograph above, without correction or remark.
8:09
